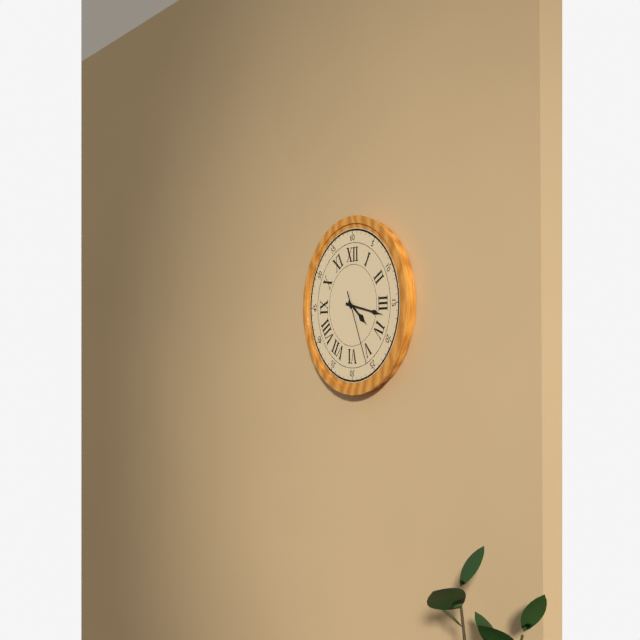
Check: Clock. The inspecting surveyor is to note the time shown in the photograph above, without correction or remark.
4:17:26
